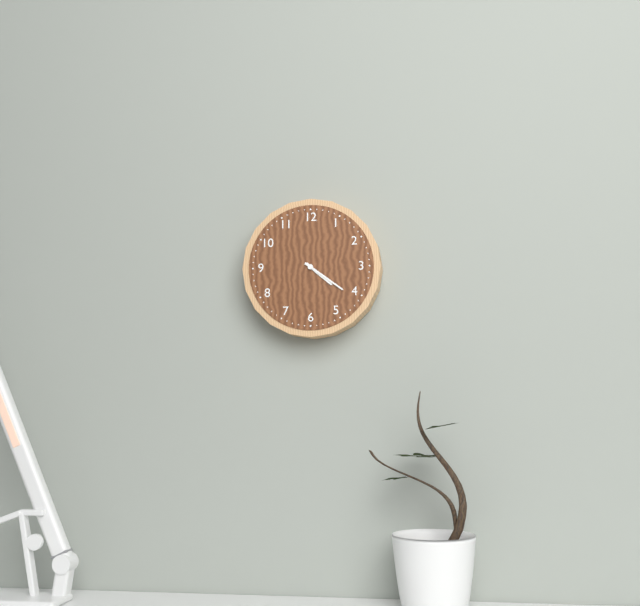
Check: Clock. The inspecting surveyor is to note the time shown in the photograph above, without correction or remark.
4:21
